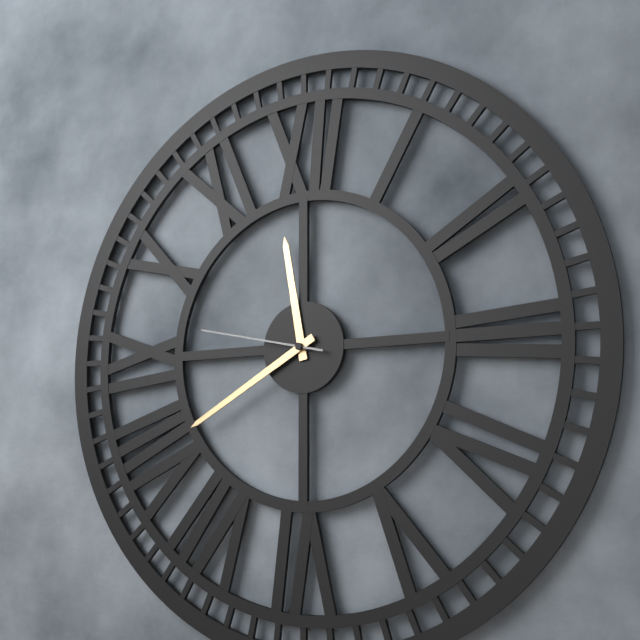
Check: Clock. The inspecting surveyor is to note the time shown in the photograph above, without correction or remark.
11:40:47
